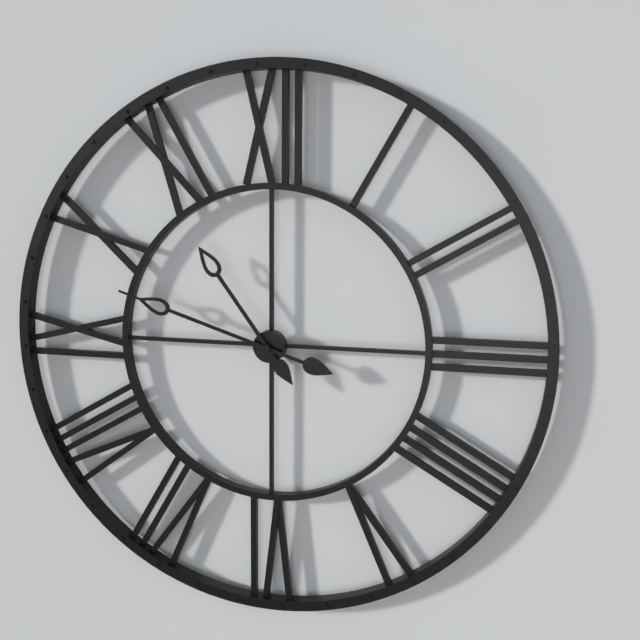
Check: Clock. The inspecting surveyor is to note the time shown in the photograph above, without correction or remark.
10:48
